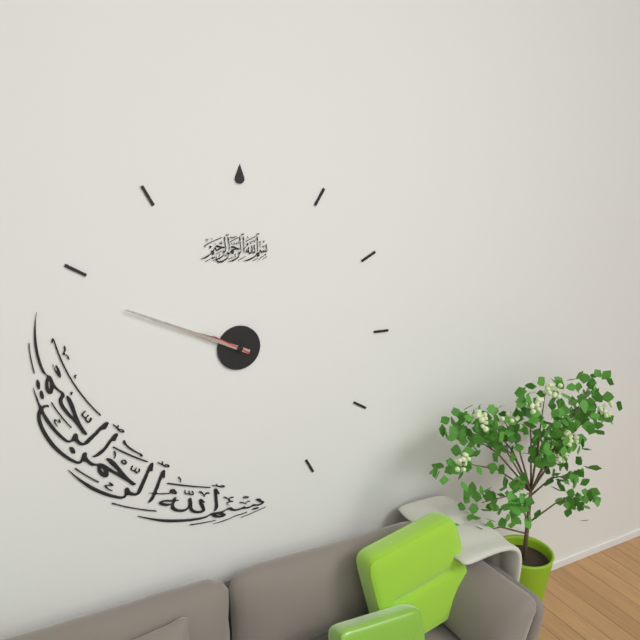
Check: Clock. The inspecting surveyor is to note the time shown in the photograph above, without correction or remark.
9:49
